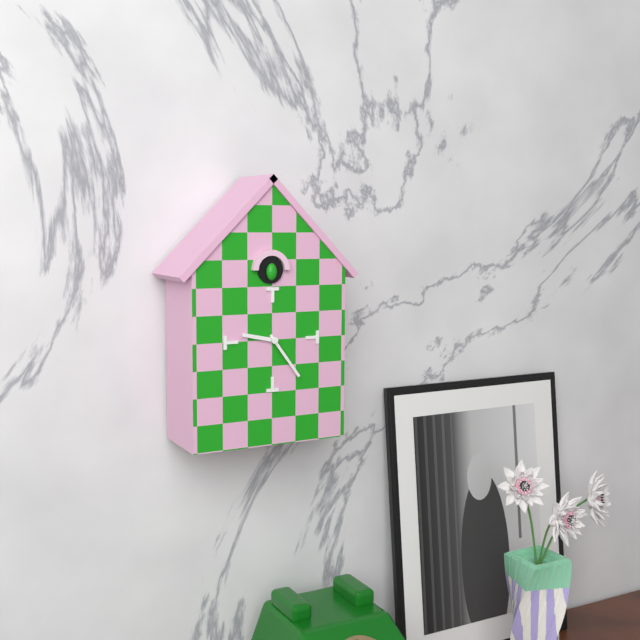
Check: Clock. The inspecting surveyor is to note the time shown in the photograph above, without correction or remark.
9:24
